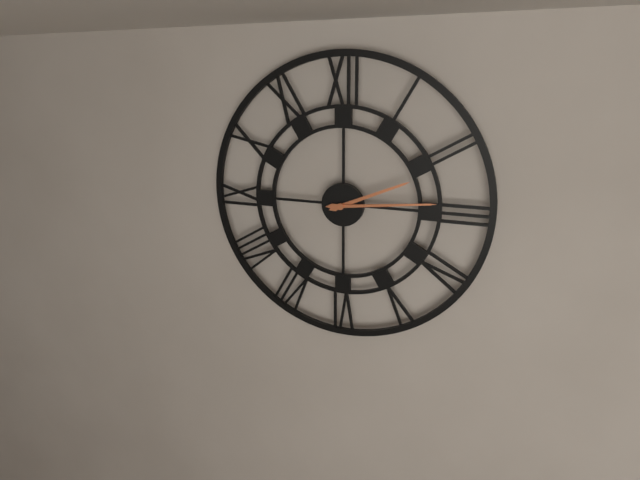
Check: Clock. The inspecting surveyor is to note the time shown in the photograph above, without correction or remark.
2:14
